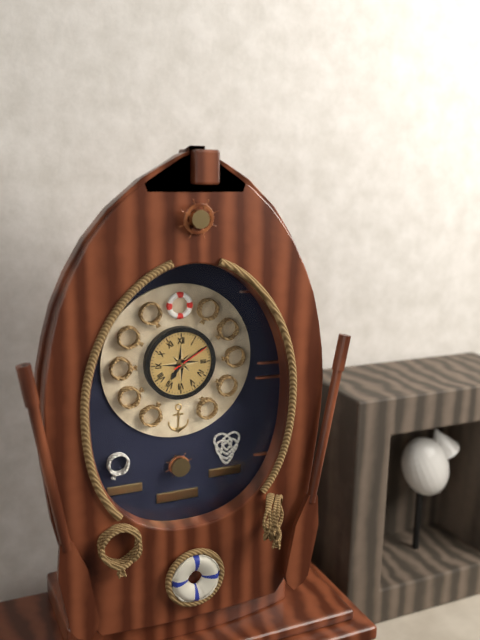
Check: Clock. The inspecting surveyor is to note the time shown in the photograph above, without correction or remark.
7:10
